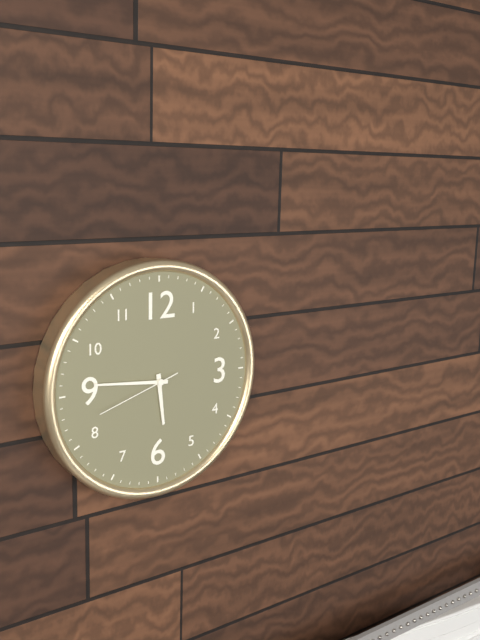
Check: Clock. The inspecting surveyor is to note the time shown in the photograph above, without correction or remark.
5:46:42
